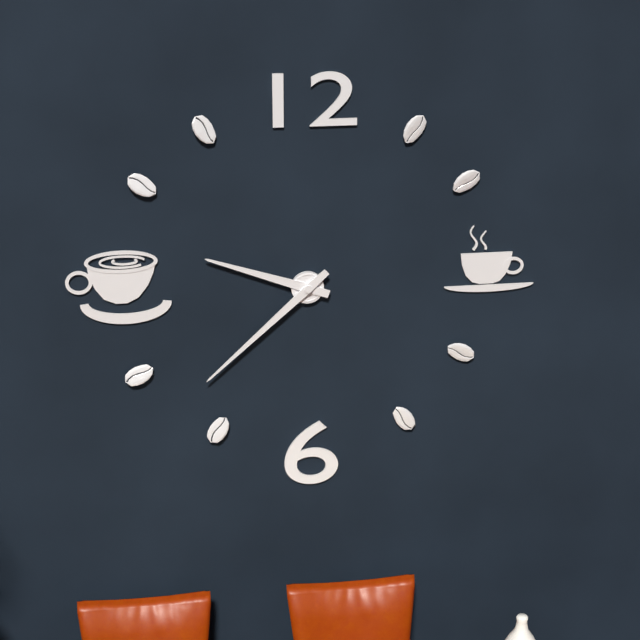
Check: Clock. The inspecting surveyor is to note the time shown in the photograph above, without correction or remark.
9:38
